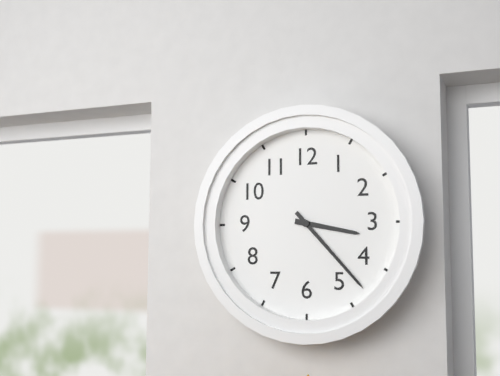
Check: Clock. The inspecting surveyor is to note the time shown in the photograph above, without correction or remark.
3:23
